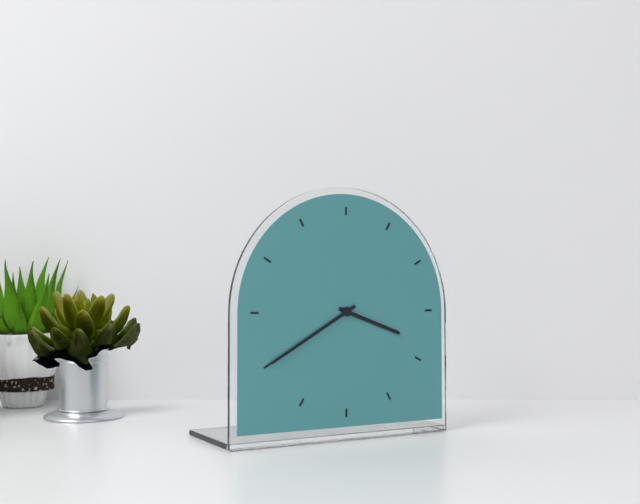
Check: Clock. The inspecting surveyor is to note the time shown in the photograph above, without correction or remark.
3:40
